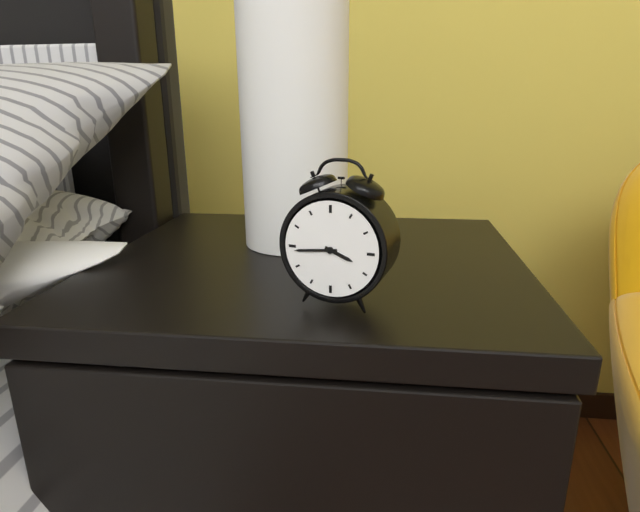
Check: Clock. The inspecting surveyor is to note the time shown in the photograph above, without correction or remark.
3:44
